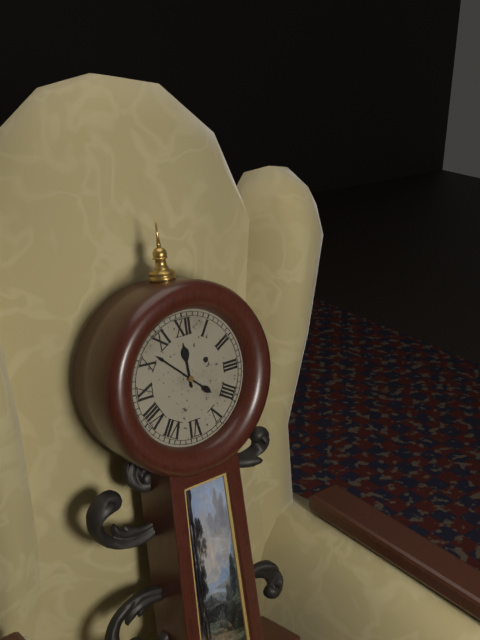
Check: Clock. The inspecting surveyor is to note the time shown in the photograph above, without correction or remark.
11:52
